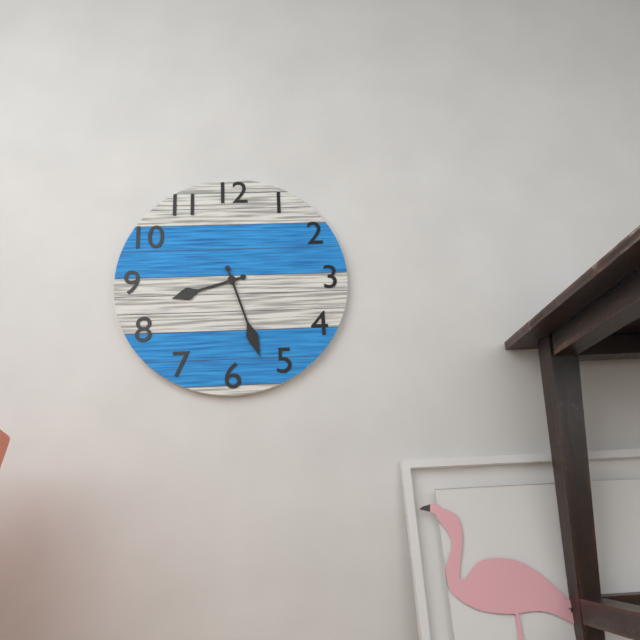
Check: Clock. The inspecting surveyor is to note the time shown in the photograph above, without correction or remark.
8:27
